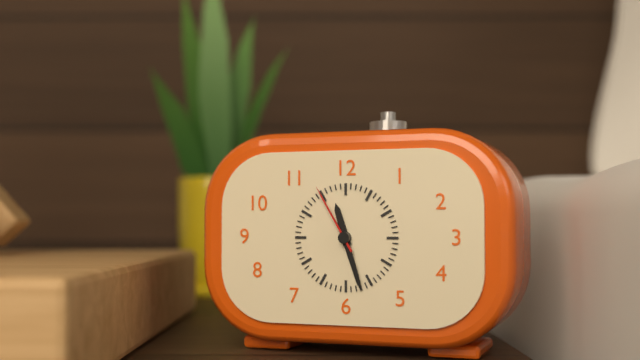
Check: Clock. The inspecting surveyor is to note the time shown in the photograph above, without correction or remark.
11:27:55
